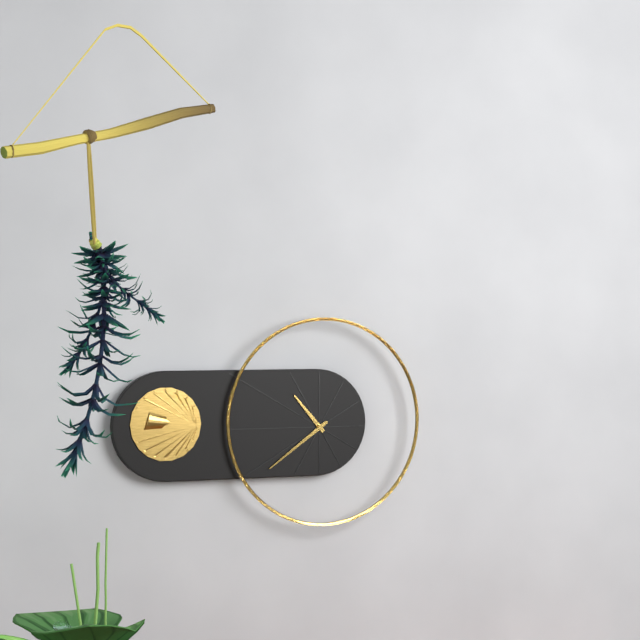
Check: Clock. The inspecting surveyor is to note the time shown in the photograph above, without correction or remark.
10:39
